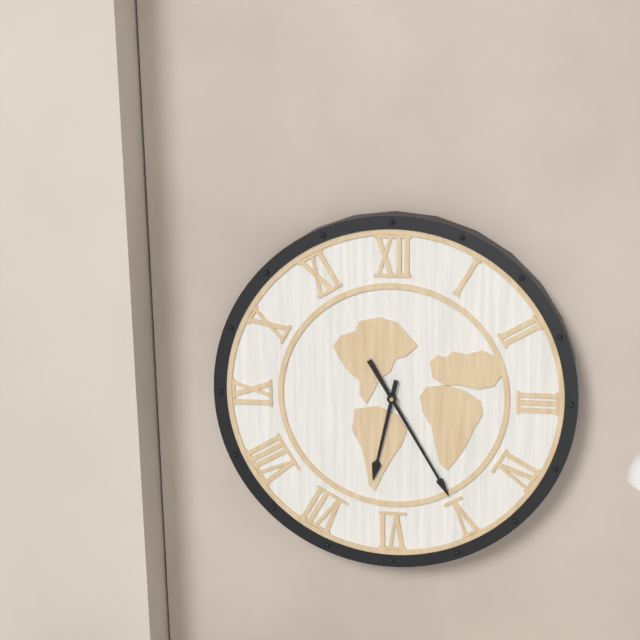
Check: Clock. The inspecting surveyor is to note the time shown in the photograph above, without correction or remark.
6:25
